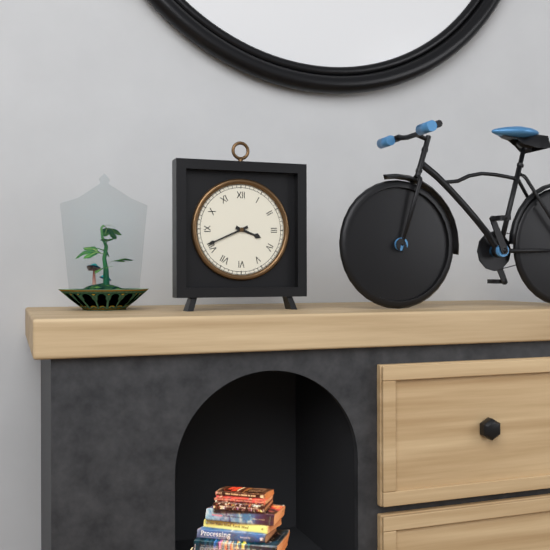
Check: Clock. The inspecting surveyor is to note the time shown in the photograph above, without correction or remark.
3:41
